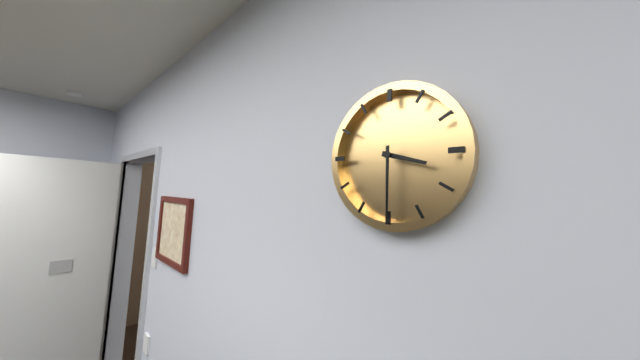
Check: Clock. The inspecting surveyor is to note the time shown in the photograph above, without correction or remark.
3:30
